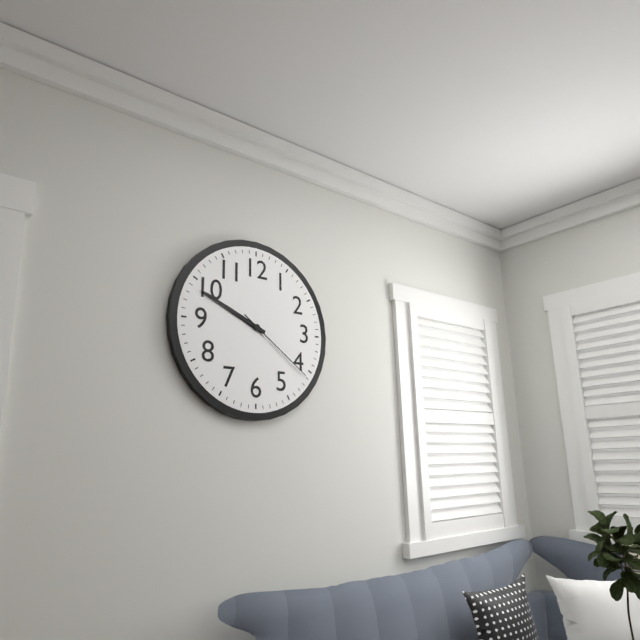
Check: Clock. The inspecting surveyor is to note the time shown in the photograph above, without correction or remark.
9:49:21
